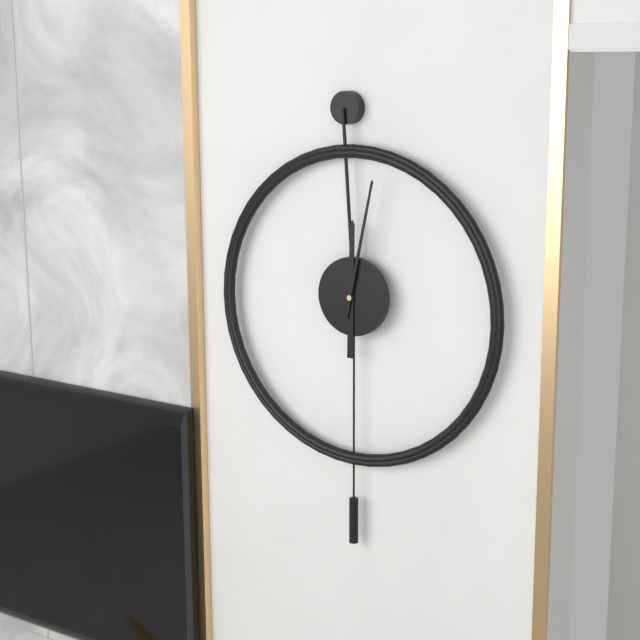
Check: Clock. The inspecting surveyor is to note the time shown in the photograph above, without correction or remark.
12:02
